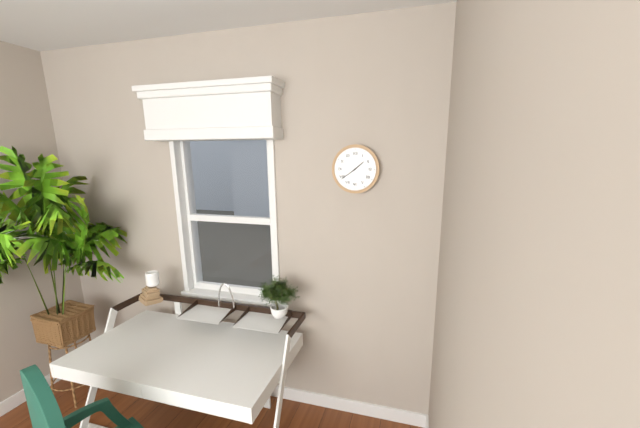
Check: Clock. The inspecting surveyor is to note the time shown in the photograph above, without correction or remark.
1:39
